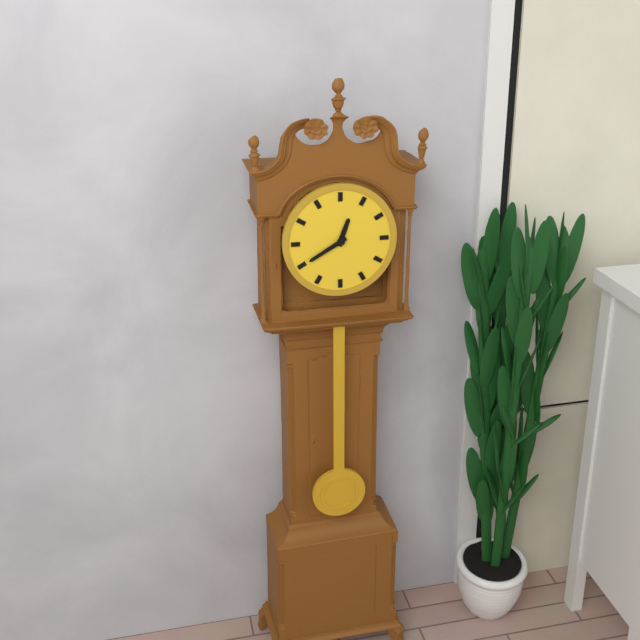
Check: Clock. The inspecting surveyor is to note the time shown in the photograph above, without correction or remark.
12:40
